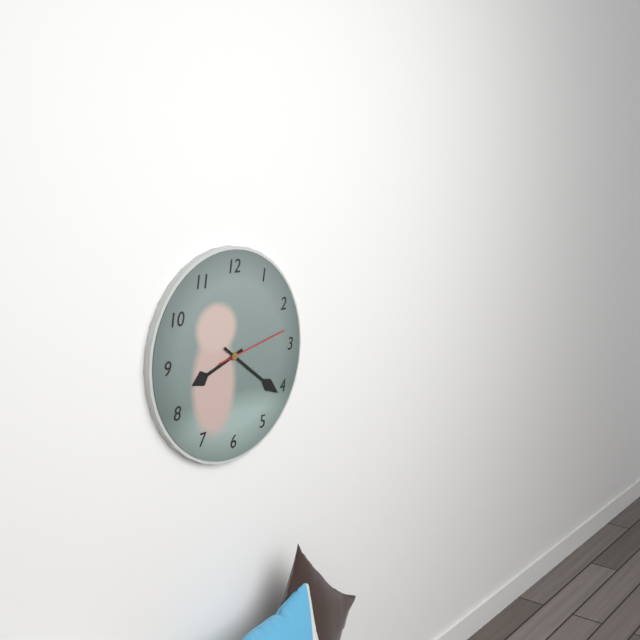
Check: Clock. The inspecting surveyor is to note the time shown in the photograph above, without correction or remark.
8:21:13
